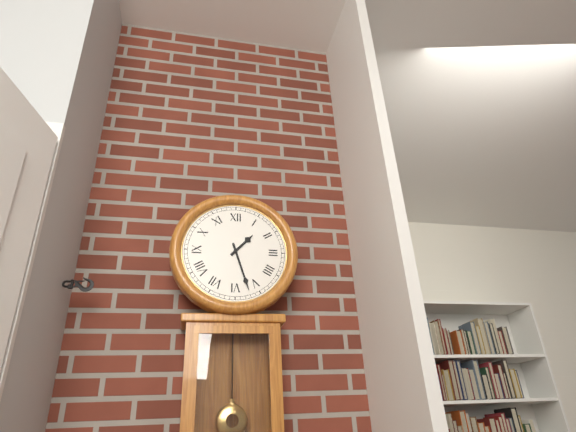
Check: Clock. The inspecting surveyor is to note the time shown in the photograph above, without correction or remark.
1:27
